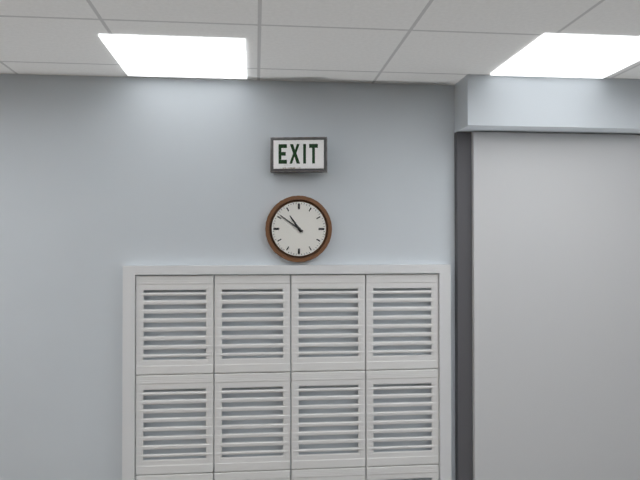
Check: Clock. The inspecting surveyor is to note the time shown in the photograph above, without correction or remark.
10:51
